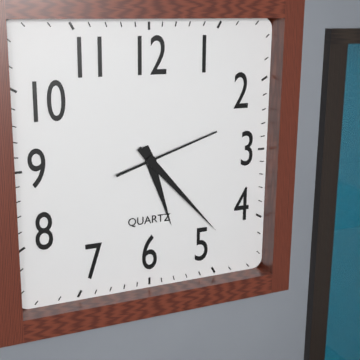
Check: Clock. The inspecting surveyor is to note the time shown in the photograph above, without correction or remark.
5:23:12
